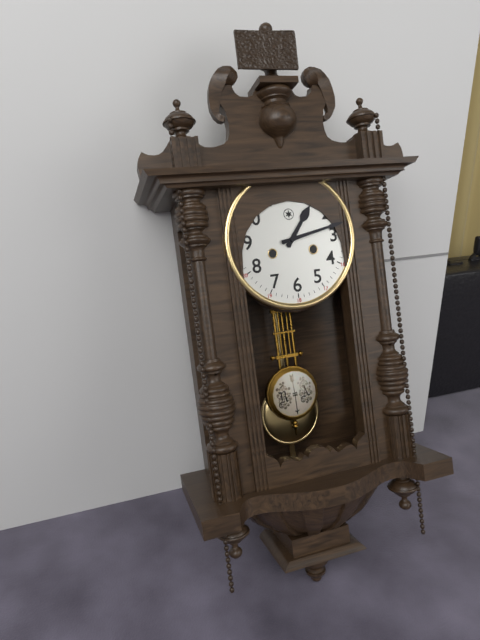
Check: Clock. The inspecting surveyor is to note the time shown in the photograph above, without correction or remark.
1:13
